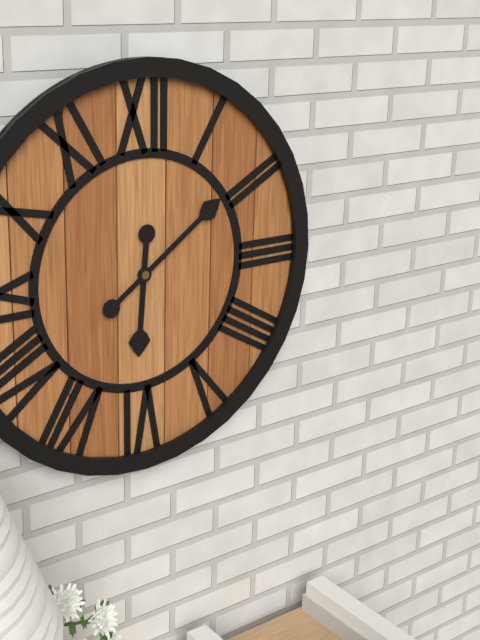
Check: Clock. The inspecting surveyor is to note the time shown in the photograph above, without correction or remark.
6:09
